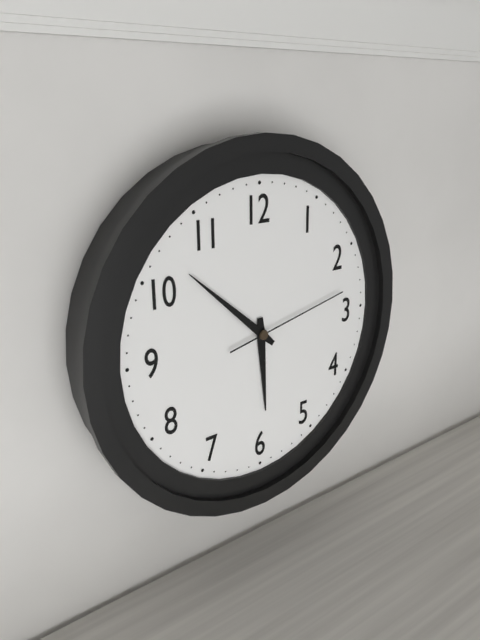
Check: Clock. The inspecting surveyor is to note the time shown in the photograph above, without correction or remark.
5:52:13
